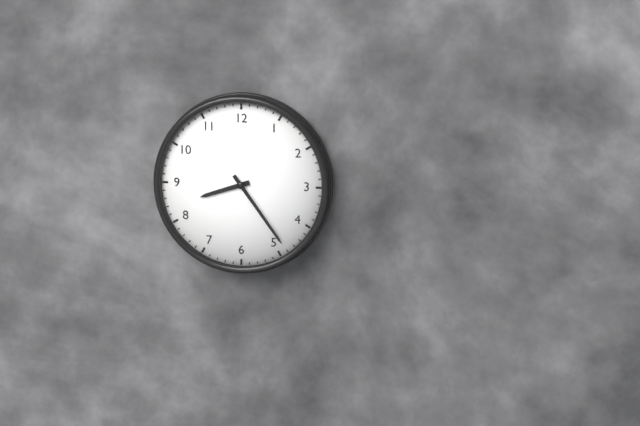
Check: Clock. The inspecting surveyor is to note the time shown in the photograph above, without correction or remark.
8:24
